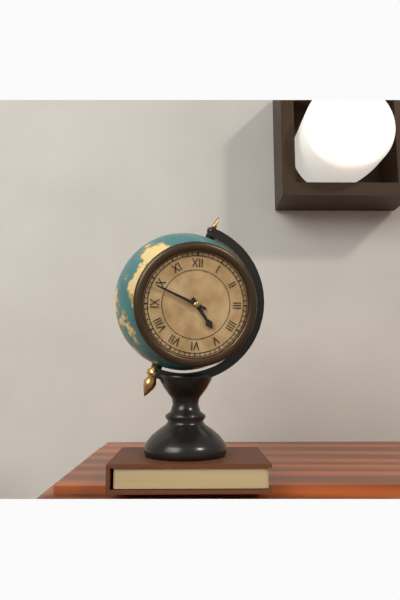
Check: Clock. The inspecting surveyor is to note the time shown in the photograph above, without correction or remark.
4:49
